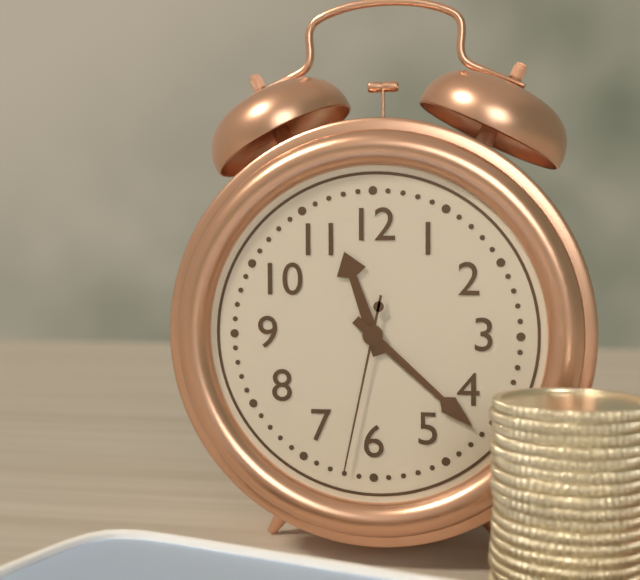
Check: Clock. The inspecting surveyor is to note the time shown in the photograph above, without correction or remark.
11:22:32
